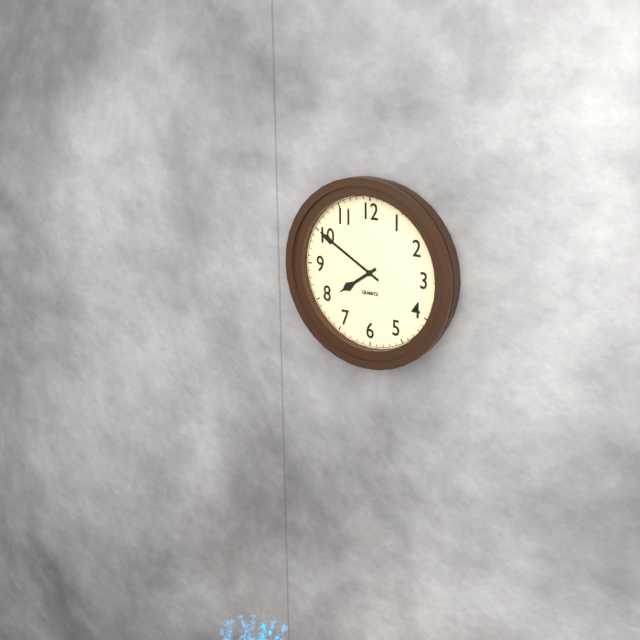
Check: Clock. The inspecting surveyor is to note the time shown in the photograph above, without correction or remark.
7:50
